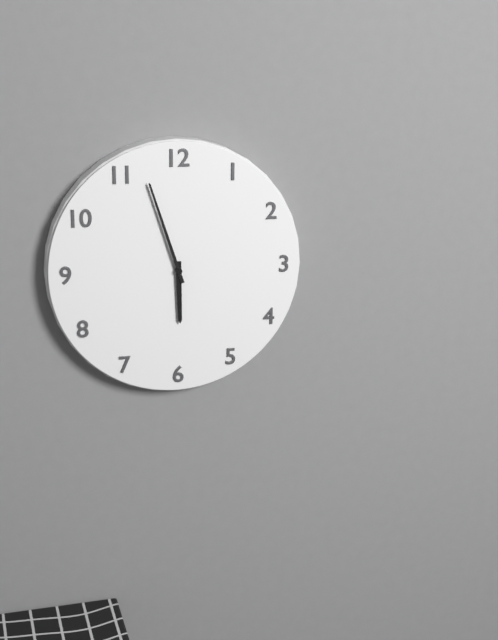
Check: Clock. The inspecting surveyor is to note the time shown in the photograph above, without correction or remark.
5:57
